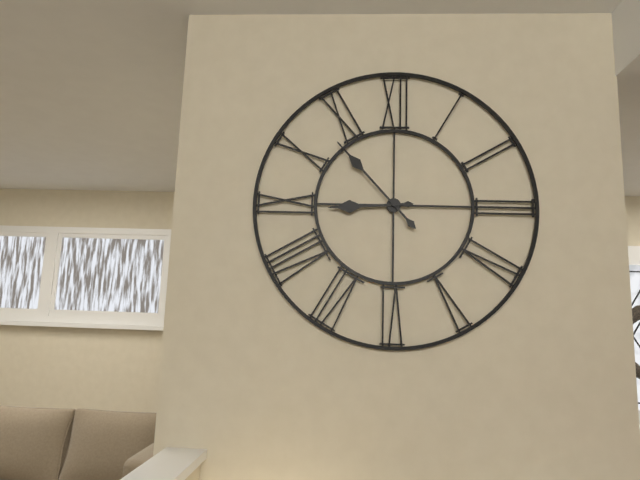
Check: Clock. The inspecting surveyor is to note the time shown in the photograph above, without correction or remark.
8:53
